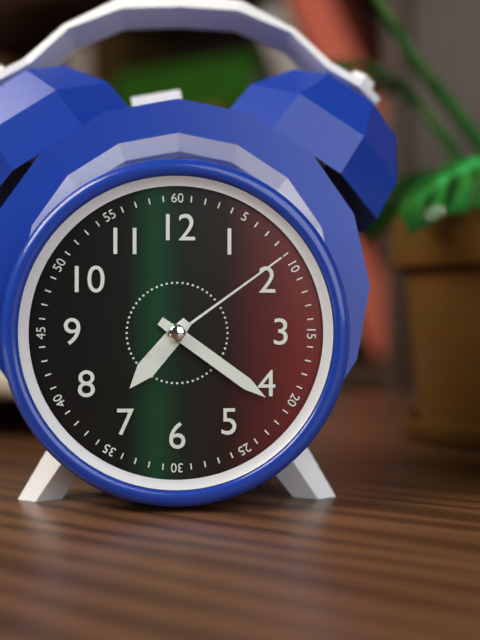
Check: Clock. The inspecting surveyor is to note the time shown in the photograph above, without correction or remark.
7:21:09
